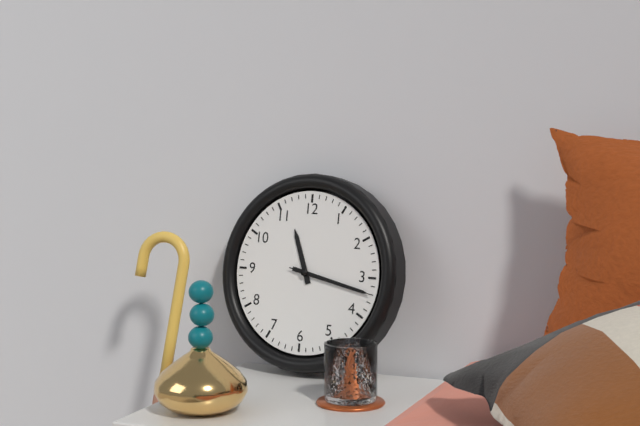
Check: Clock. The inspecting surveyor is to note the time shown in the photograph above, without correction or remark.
11:17:17
